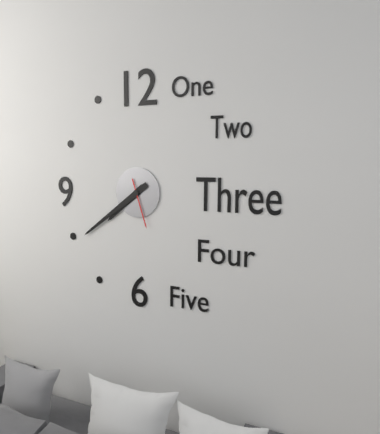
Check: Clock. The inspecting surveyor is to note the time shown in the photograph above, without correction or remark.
7:39
